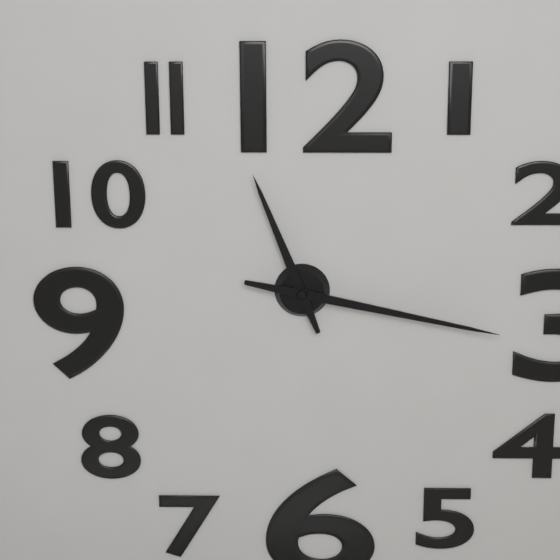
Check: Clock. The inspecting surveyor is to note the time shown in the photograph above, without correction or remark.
11:17
